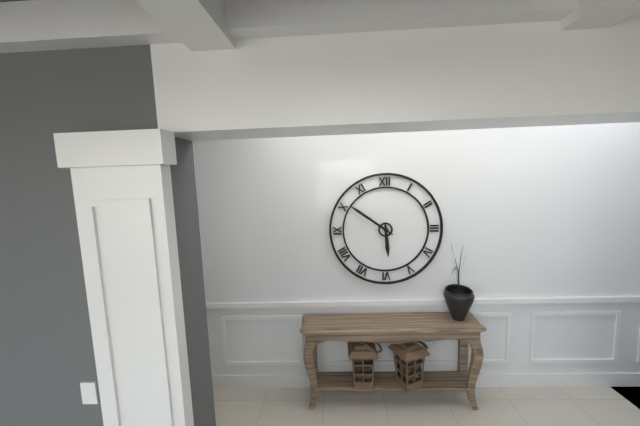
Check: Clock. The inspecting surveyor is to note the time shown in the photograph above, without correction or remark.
5:51
